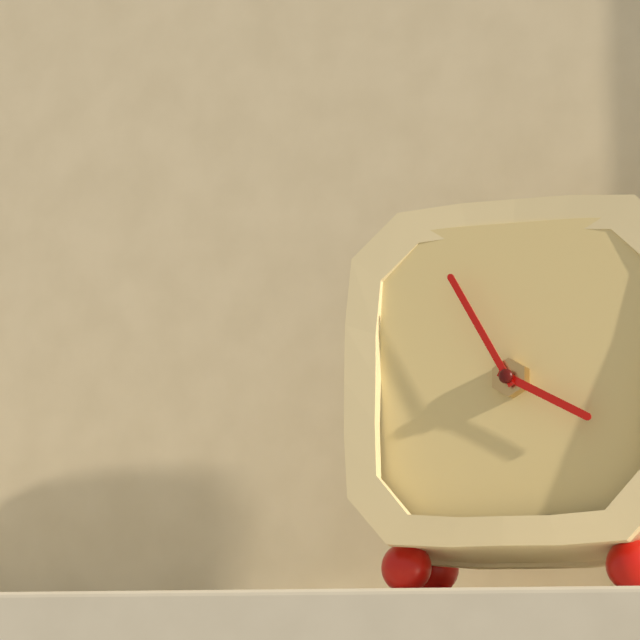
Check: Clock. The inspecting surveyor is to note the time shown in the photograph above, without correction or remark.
3:55
